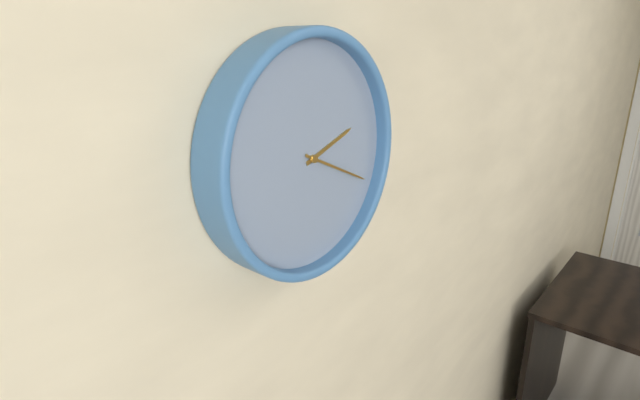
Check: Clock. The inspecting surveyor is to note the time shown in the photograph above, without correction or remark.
2:19
